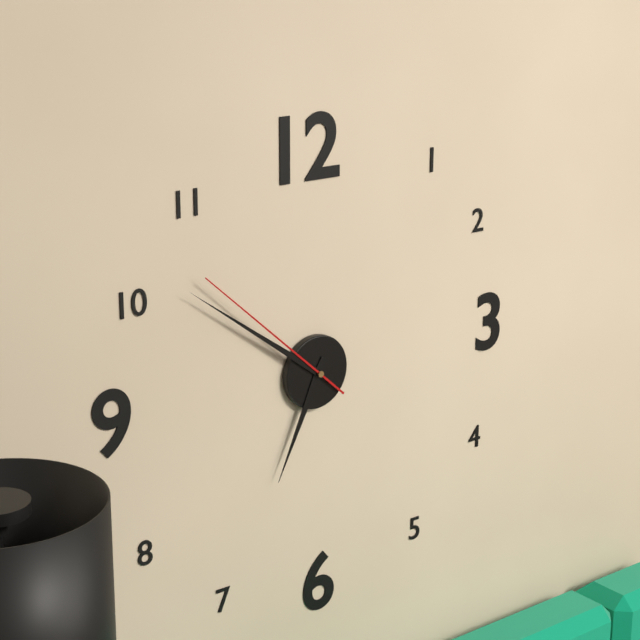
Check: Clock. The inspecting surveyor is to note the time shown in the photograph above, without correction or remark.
6:51:52
